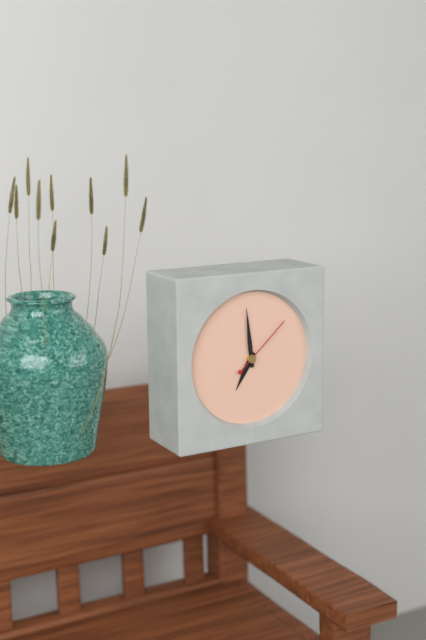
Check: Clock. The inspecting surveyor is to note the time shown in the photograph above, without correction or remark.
6:59:08
